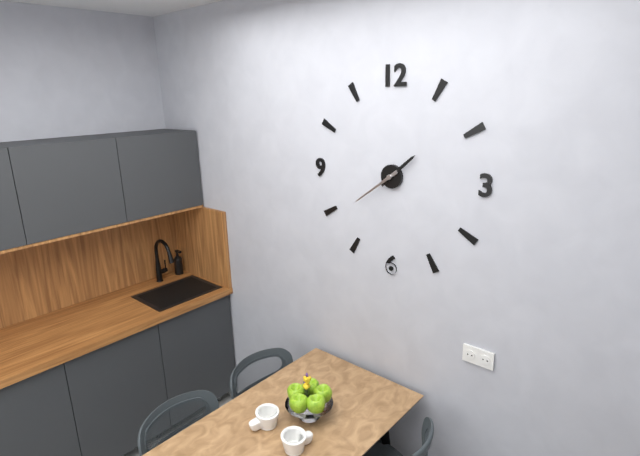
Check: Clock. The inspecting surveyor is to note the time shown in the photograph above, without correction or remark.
1:39
